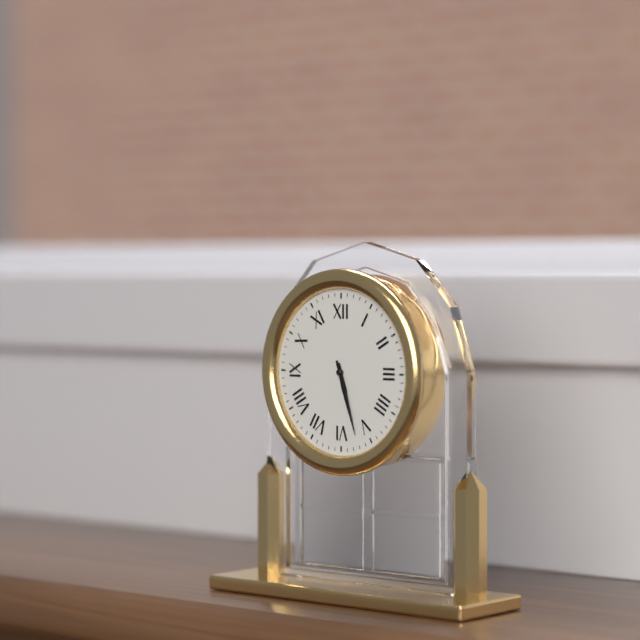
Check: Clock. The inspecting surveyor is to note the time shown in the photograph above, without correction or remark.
5:27
